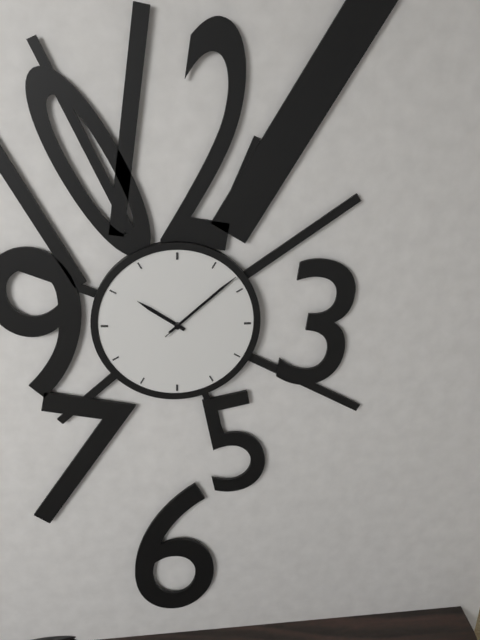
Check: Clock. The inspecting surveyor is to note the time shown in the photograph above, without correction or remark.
10:08:08
